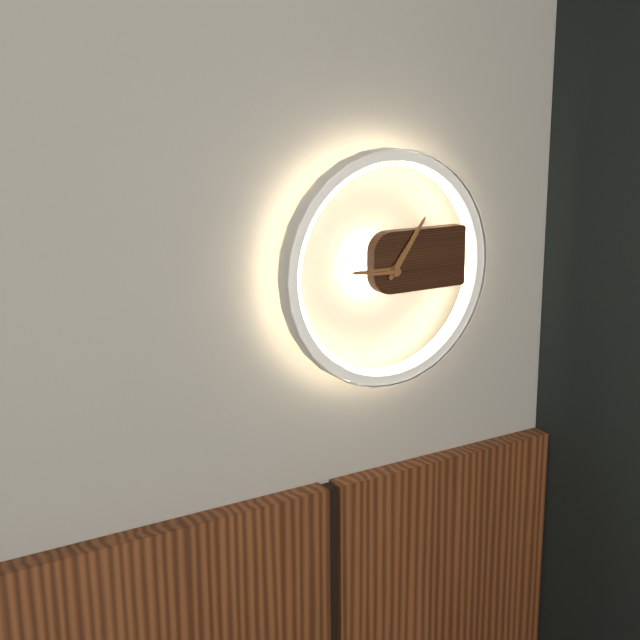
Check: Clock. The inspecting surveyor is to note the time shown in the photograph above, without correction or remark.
9:06
